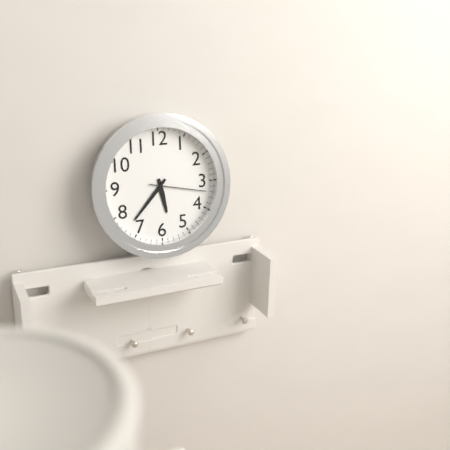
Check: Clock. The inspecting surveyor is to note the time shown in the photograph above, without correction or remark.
5:37:17
